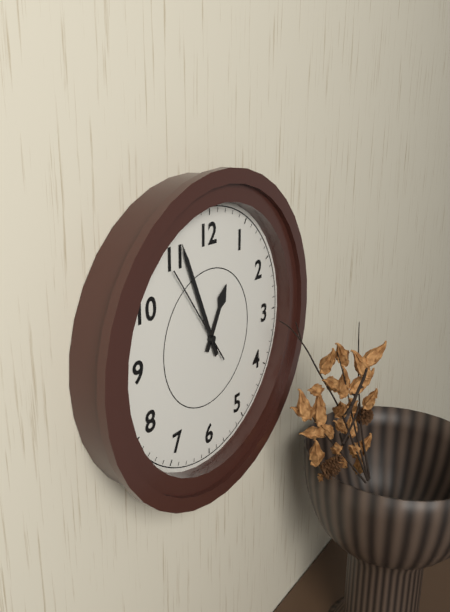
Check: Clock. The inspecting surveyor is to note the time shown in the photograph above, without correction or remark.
12:56:54
